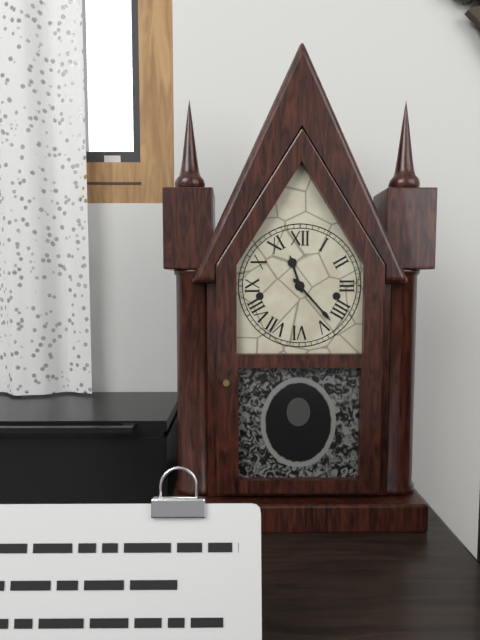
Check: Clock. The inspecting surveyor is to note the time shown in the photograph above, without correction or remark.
11:23
